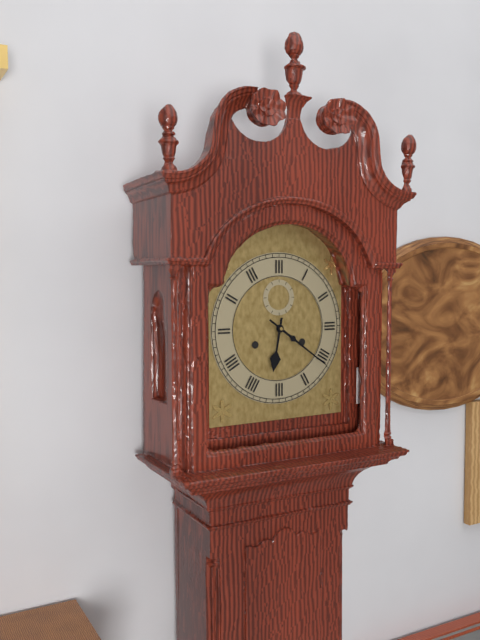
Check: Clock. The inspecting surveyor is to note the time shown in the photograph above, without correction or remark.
6:21
